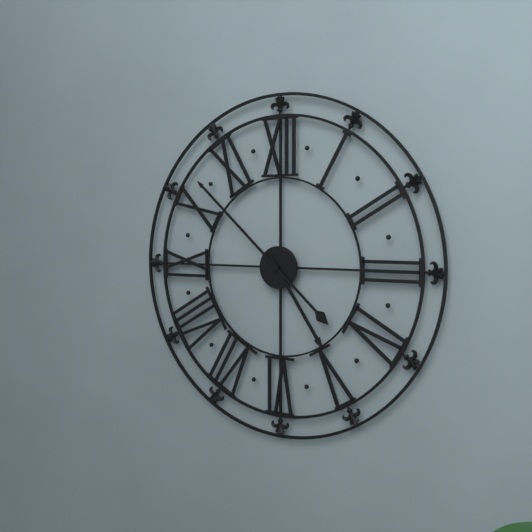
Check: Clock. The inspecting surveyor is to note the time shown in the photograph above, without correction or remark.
4:52
